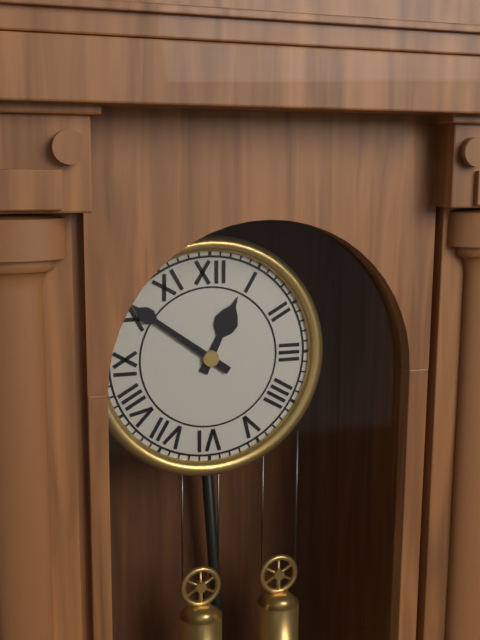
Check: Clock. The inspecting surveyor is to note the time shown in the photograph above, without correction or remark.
12:51
